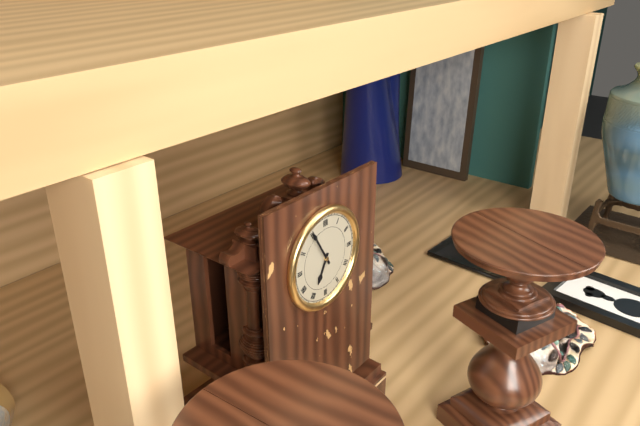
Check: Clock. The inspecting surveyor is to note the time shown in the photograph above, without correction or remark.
6:55
